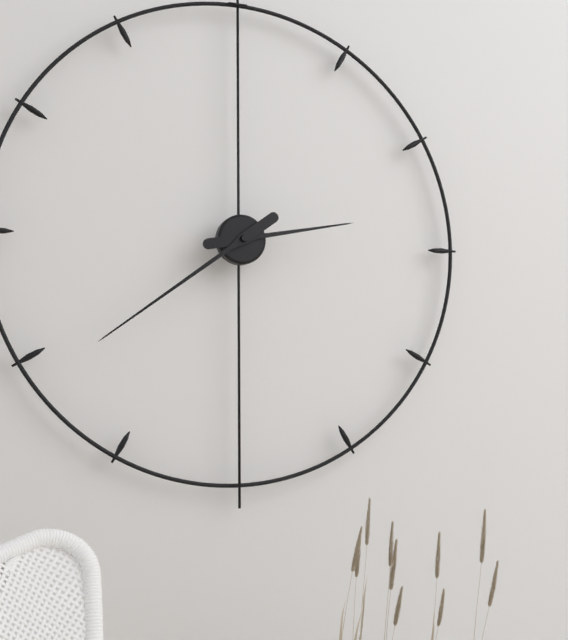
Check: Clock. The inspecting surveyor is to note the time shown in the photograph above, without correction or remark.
2:39
